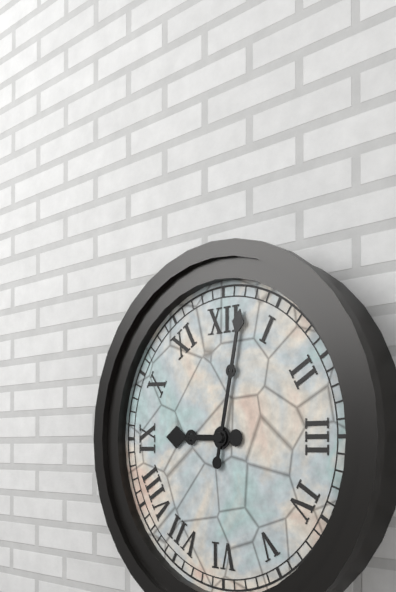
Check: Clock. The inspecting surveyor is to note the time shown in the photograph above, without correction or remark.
9:02
